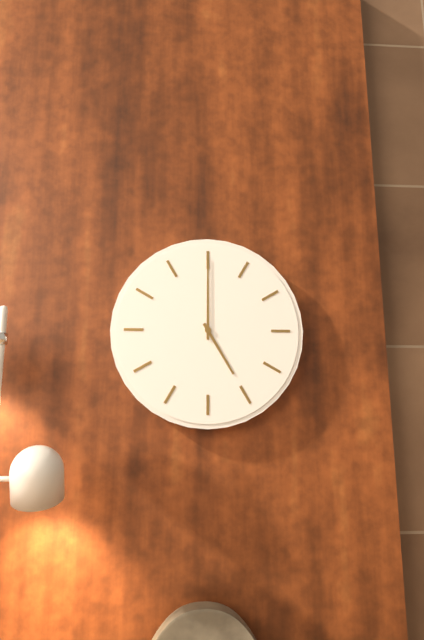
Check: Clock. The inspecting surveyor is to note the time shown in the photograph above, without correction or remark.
5:00
